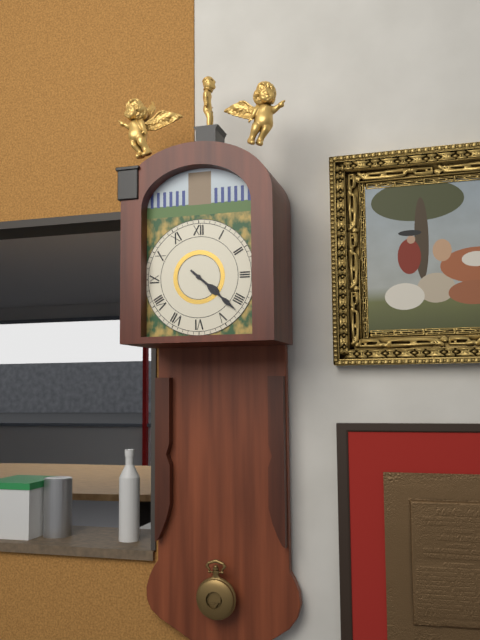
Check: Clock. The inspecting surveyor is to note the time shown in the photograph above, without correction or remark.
4:22
